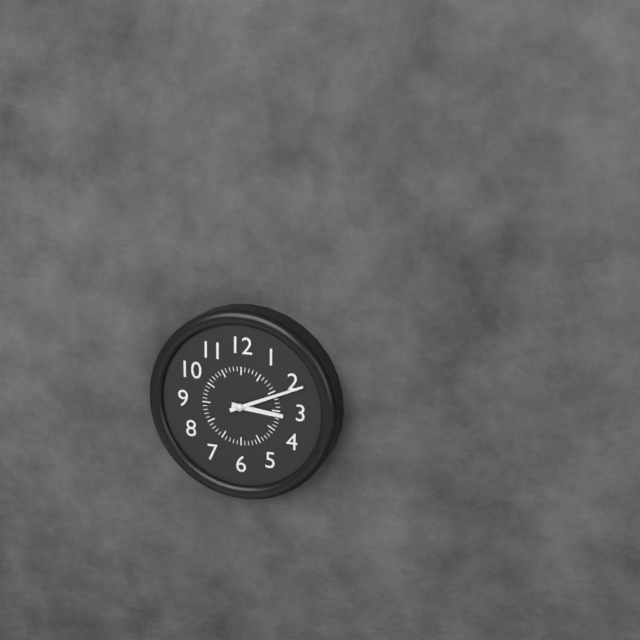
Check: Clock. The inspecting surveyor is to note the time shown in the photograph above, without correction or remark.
3:11
